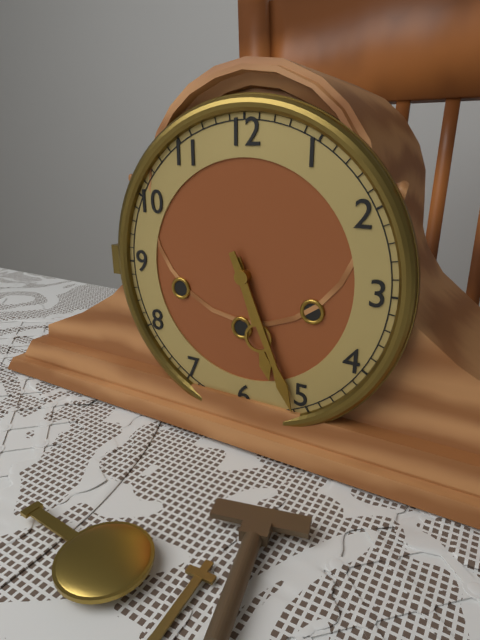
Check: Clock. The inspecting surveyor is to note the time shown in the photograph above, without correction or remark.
5:26
